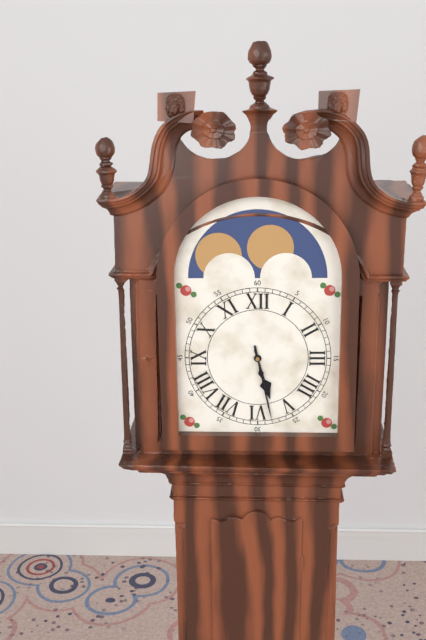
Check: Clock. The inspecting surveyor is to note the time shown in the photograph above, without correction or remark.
5:28
